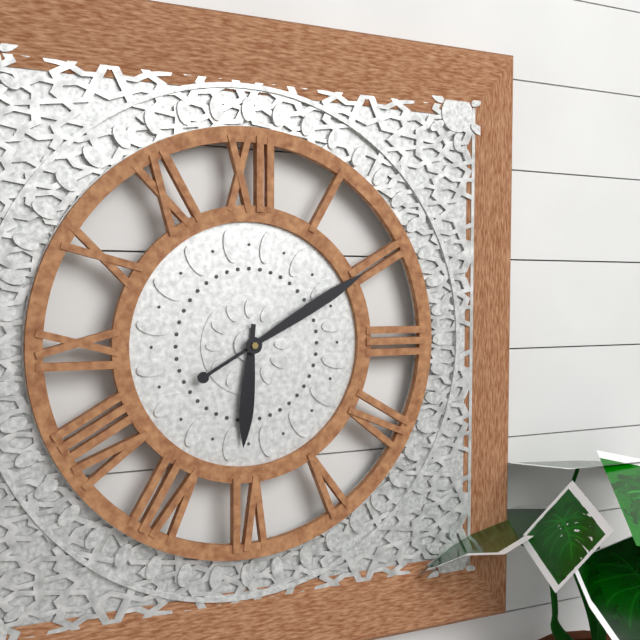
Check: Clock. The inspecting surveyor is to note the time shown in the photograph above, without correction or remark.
6:10
